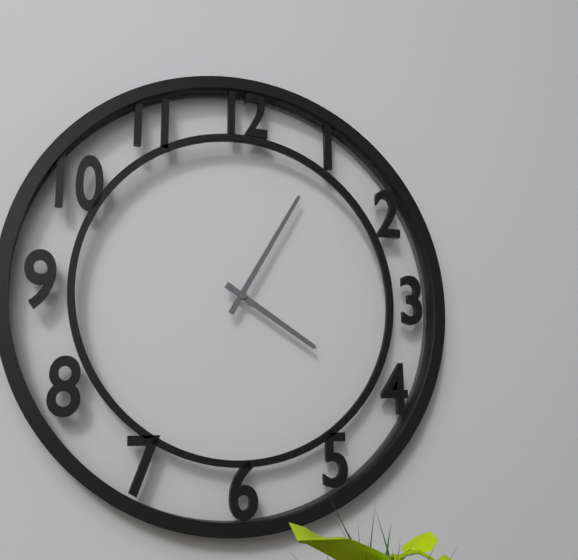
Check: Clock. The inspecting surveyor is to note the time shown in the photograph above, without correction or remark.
4:05
